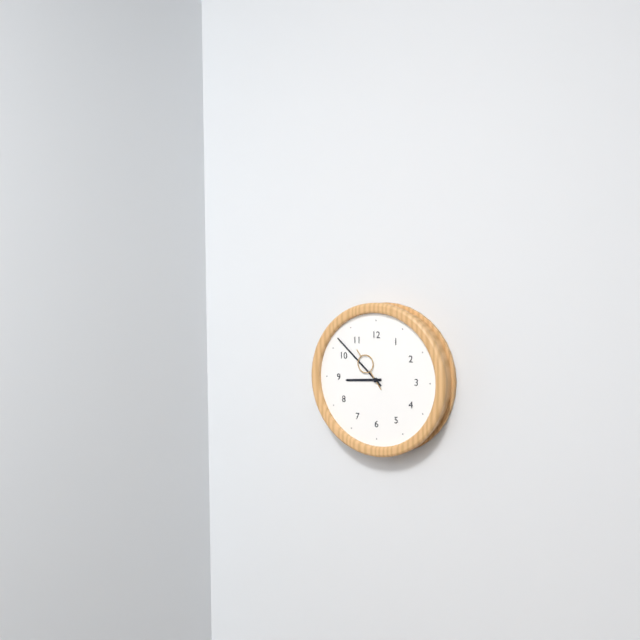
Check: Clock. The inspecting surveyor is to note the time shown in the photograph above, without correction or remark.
8:52
